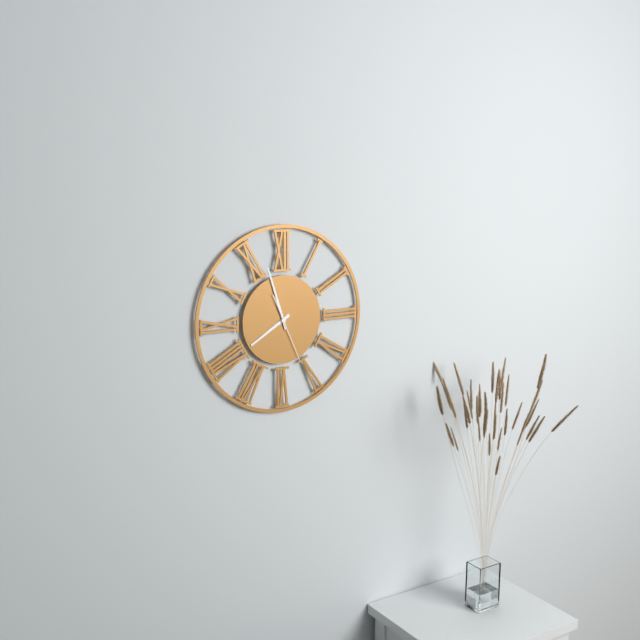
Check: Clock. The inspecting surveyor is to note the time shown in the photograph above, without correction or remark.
7:57:26
